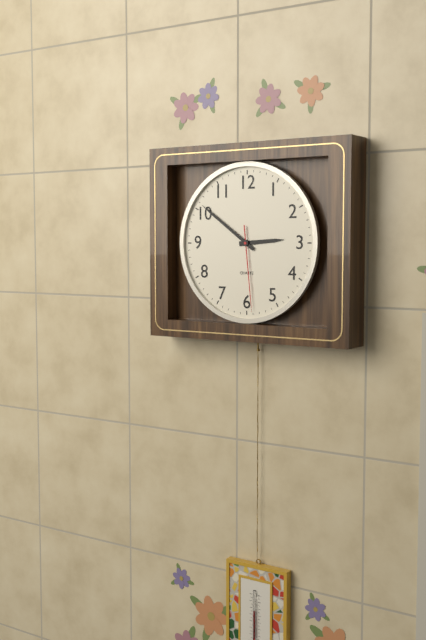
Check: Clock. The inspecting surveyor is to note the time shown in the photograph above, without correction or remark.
2:51:29
